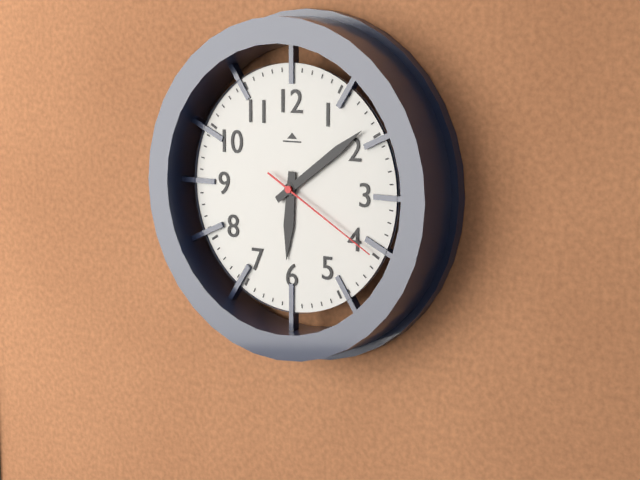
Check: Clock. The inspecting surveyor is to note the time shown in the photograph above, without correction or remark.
6:09:20
